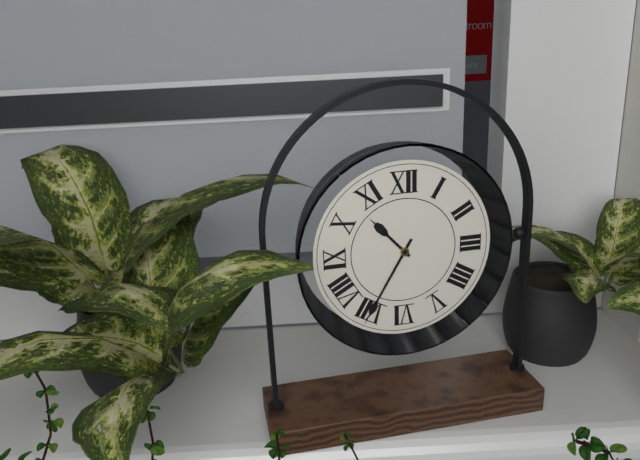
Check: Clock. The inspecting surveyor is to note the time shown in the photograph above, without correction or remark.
10:35
